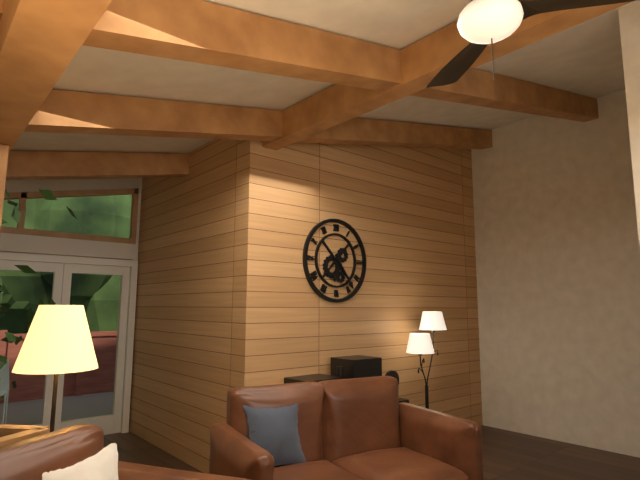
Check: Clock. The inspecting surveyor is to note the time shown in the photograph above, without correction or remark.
6:24
